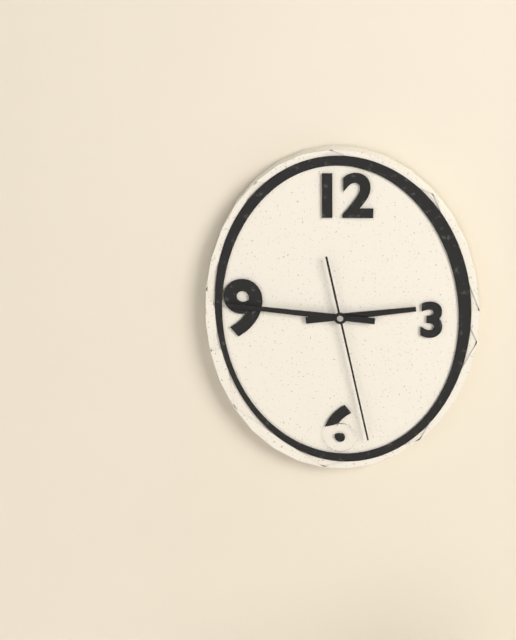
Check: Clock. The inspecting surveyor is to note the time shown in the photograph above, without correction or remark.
2:46:28
